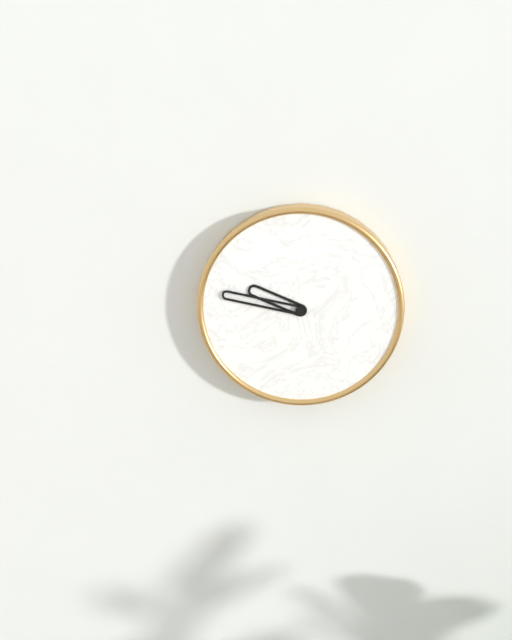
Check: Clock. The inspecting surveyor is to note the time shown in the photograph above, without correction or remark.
9:47
